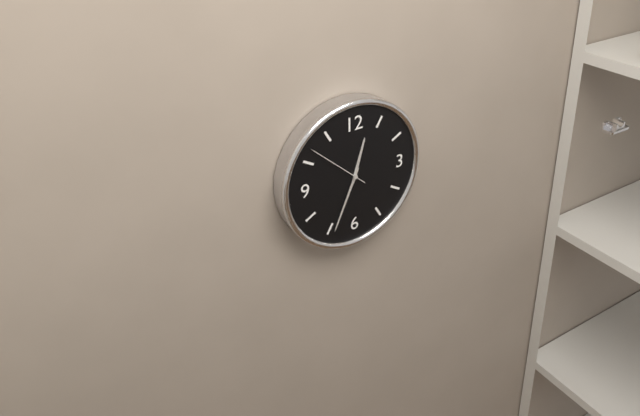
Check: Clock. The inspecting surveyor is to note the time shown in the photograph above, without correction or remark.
12:34:52
